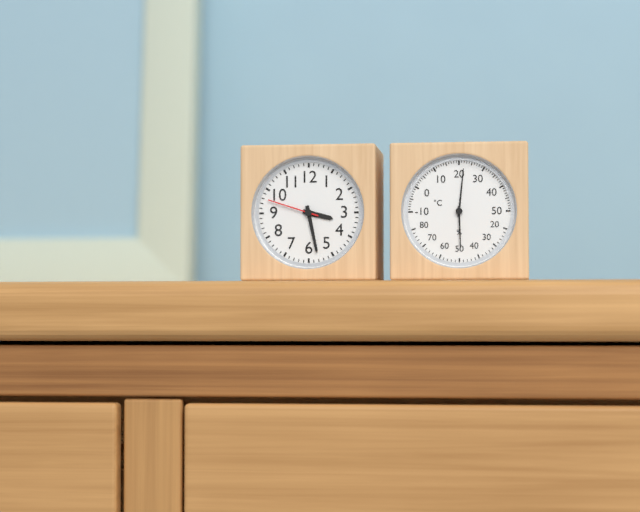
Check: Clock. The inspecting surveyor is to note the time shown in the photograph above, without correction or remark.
3:28:48
